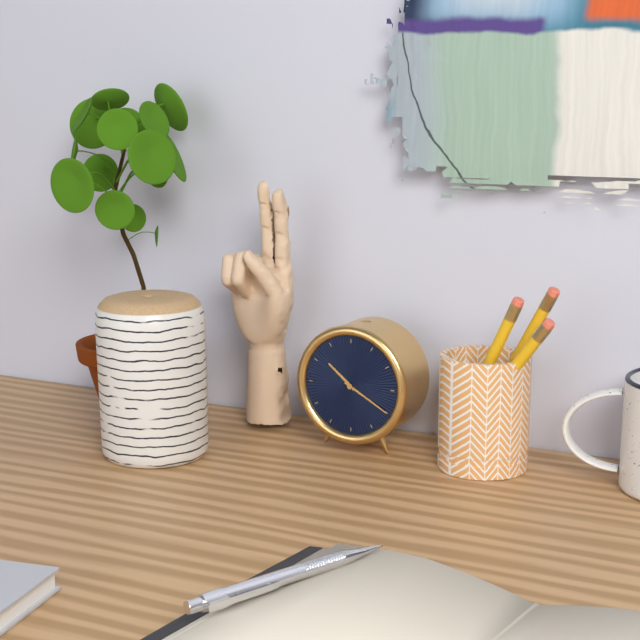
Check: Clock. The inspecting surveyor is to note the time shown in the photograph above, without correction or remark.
10:20
